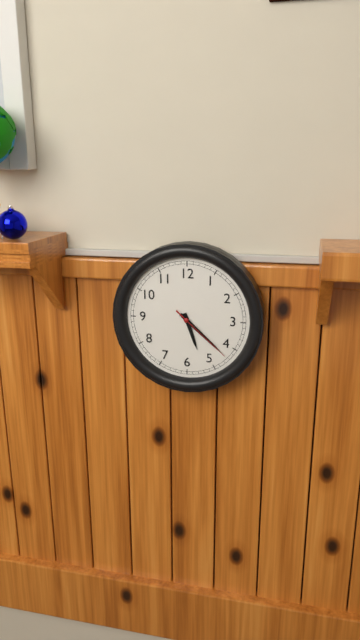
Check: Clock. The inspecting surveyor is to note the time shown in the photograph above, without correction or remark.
5:22:22
